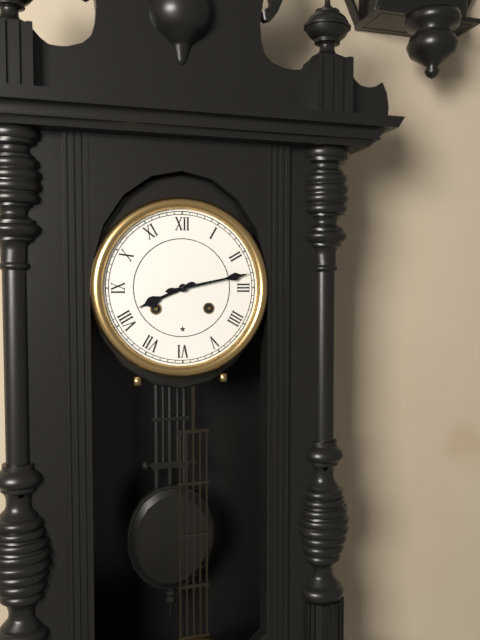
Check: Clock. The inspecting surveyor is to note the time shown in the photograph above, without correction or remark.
8:13
